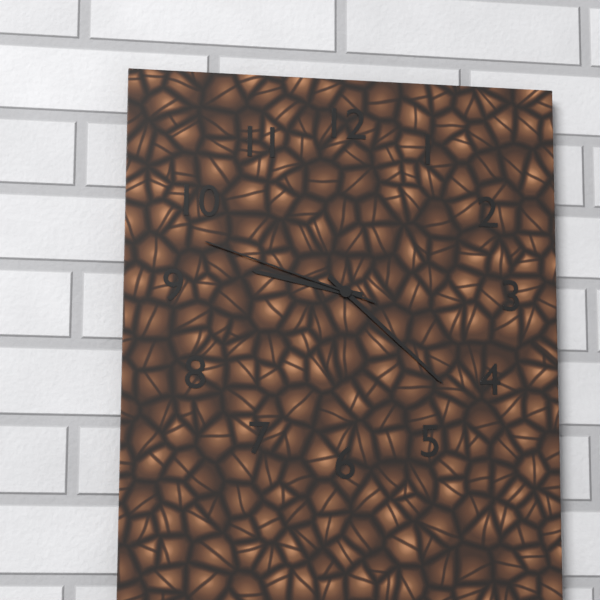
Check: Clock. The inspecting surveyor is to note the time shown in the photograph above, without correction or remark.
9:22:48
